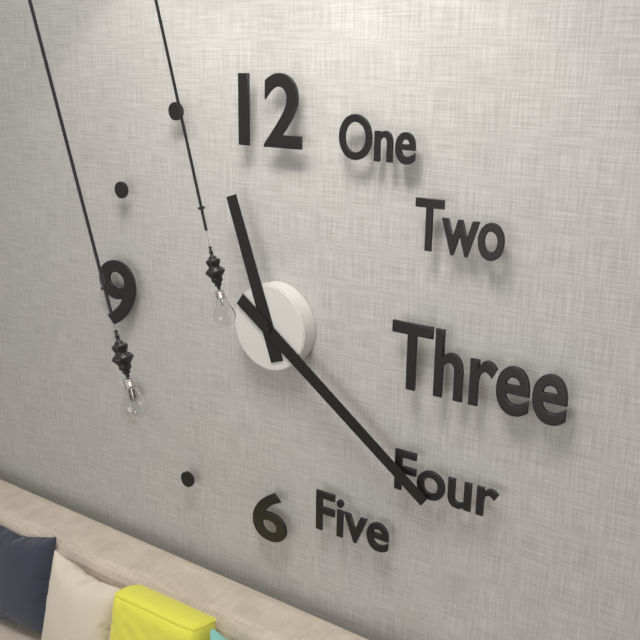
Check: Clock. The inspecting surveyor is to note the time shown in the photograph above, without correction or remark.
11:21
